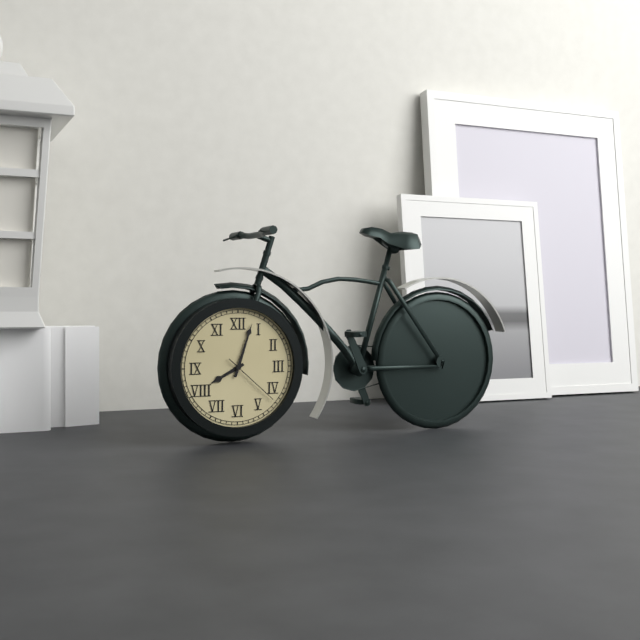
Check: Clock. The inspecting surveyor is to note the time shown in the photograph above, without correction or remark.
8:03:22
